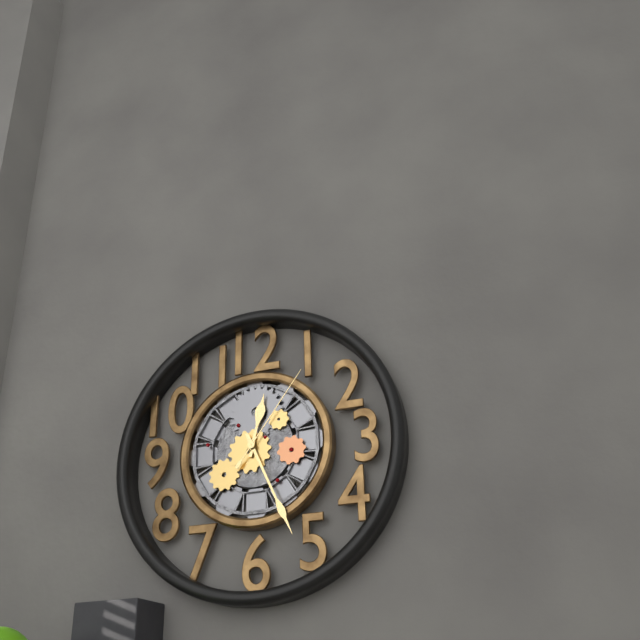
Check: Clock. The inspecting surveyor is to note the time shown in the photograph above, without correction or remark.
12:26:06
